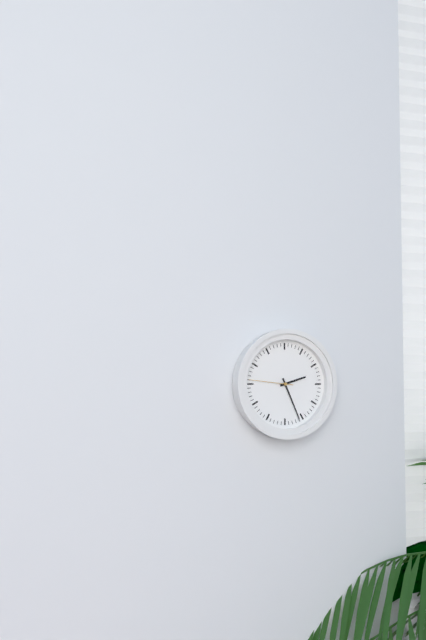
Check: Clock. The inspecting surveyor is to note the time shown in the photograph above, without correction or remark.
2:26
